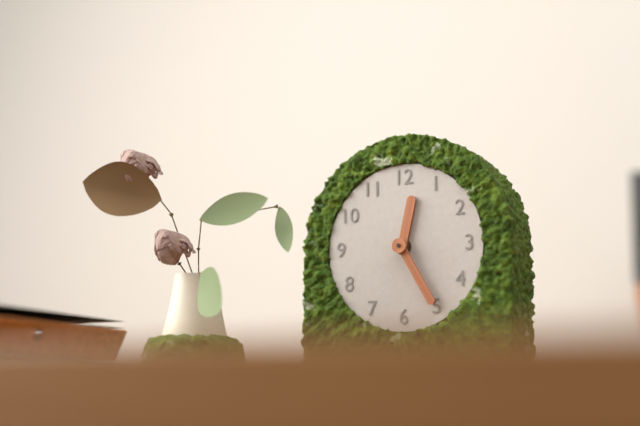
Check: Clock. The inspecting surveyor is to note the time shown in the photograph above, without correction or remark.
12:25
